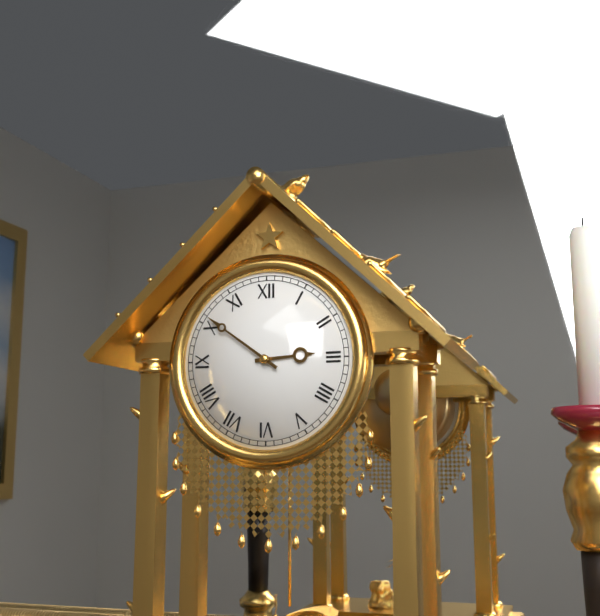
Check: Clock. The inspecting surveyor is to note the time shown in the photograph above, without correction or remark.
2:51
